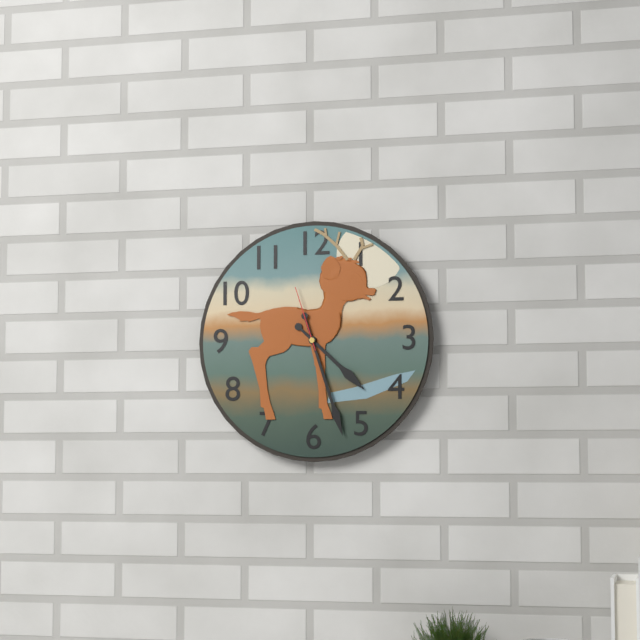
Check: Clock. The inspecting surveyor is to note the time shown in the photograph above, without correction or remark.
4:27:57
